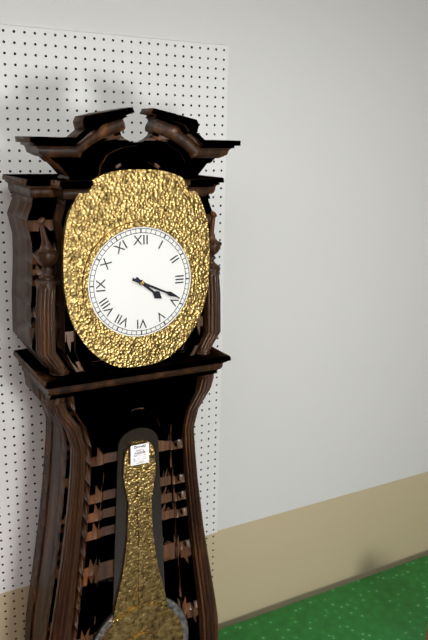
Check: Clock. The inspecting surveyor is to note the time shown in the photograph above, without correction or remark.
4:19
